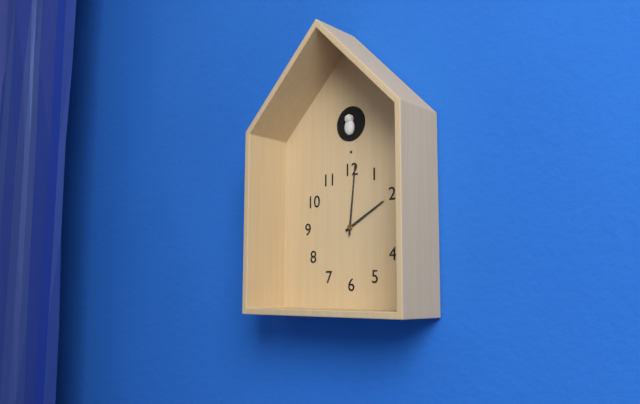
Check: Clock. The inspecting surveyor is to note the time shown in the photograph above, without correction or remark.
2:01
